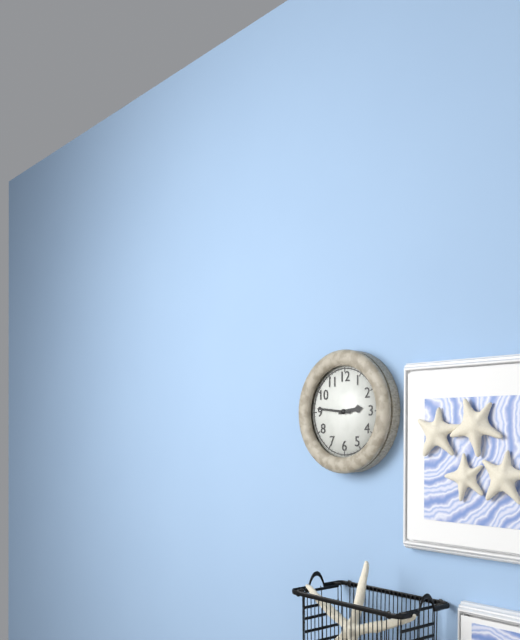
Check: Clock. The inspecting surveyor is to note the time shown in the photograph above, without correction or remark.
2:46
